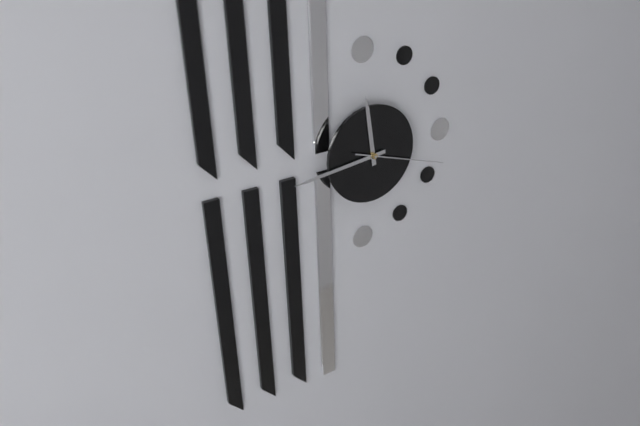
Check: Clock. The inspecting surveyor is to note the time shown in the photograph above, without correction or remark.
11:44:18
